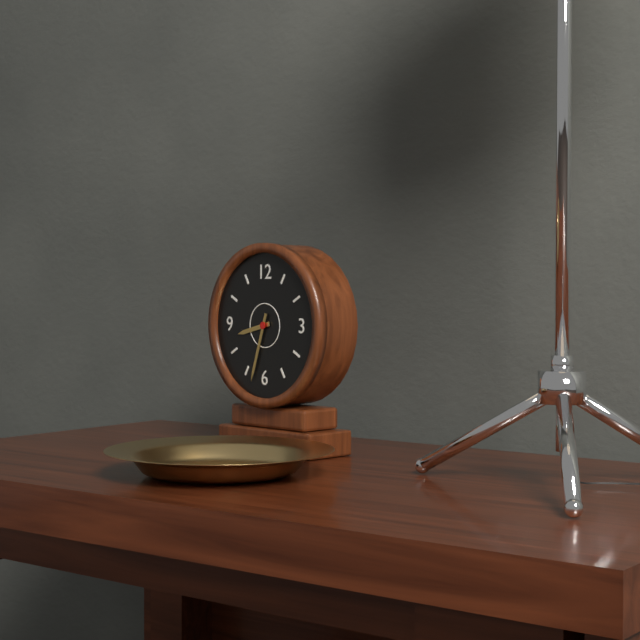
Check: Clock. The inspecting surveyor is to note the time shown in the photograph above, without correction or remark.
8:33
